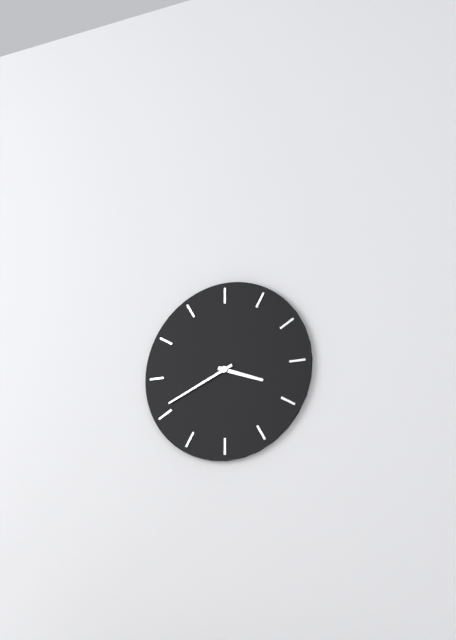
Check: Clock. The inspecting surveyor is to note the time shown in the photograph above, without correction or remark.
3:41
